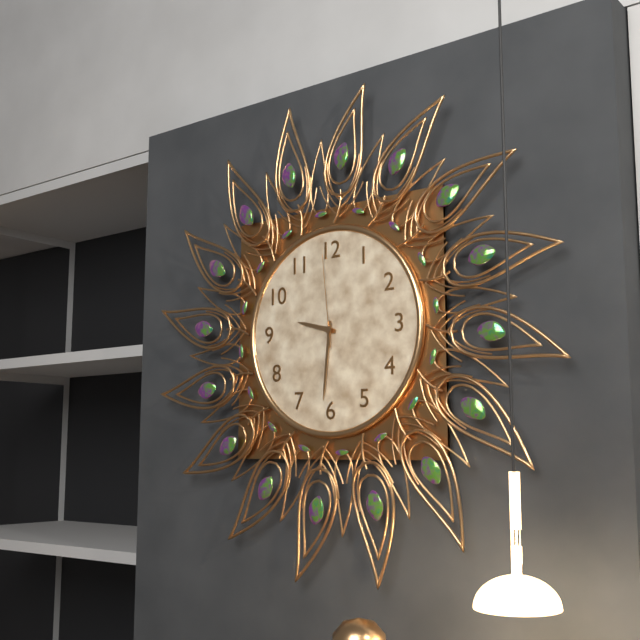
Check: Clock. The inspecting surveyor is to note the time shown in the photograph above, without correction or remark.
9:31:59
